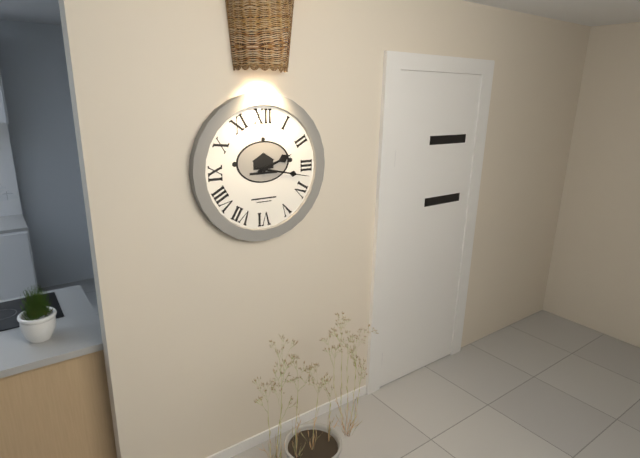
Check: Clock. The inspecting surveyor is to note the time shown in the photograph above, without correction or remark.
2:17
